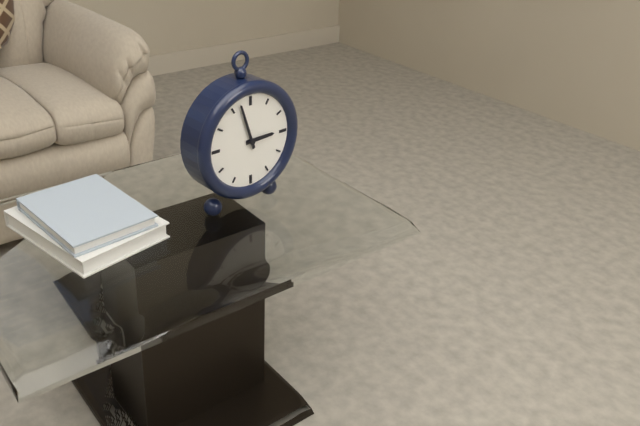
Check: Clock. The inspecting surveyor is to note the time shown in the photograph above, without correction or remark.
2:57
